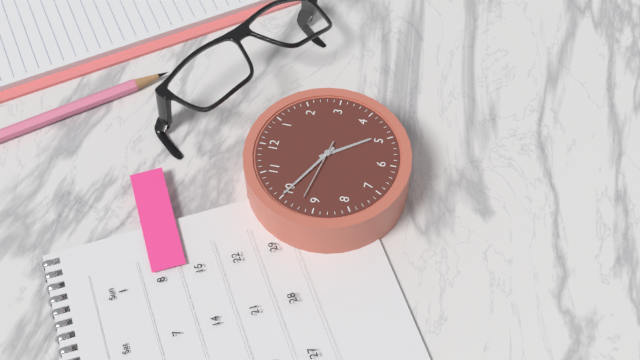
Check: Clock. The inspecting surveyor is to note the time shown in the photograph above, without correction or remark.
4:50
